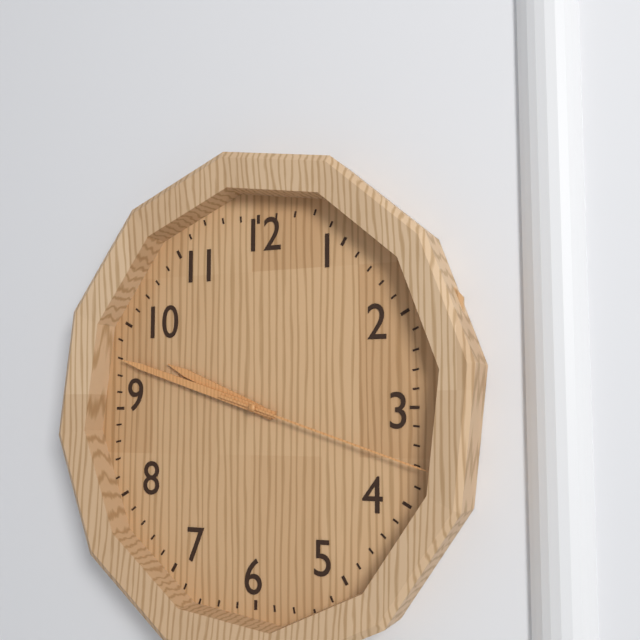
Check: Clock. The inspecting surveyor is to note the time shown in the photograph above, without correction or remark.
9:48:18
